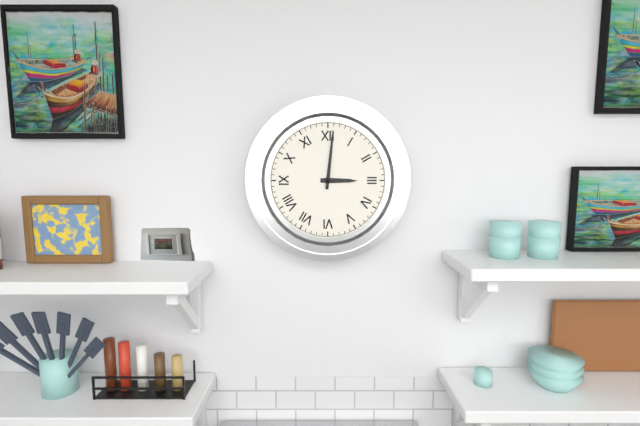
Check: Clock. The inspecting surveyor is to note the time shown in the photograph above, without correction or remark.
3:01
